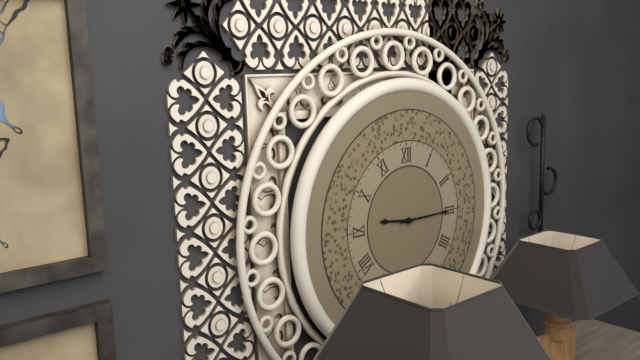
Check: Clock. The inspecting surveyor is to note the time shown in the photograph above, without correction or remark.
9:15
